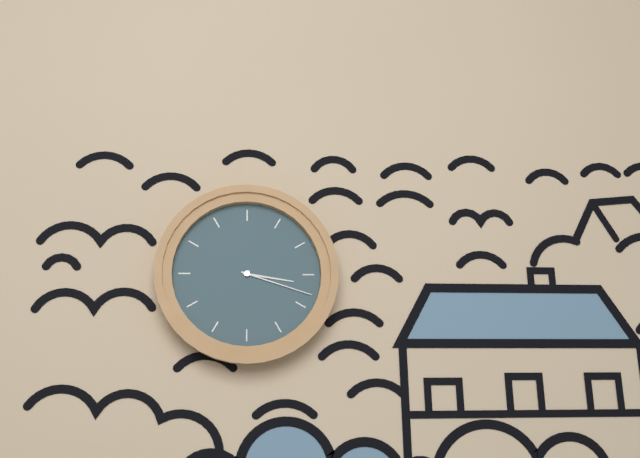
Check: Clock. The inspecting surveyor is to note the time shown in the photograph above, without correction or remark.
3:18
